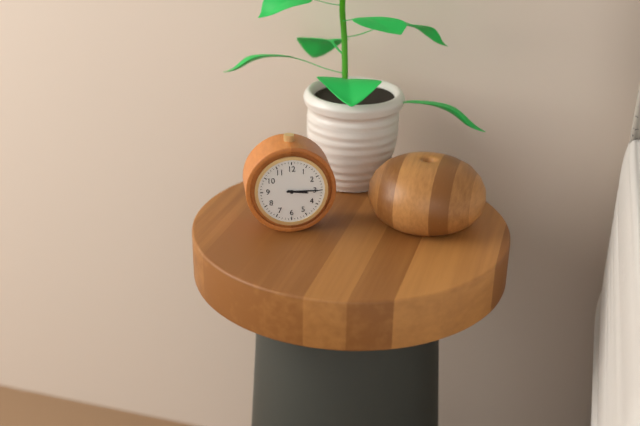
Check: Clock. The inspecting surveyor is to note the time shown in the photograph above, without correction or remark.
3:15
